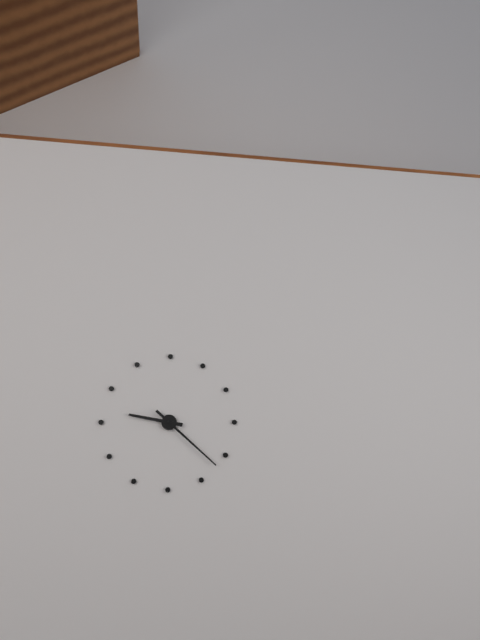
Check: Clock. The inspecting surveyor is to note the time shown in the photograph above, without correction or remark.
9:22
